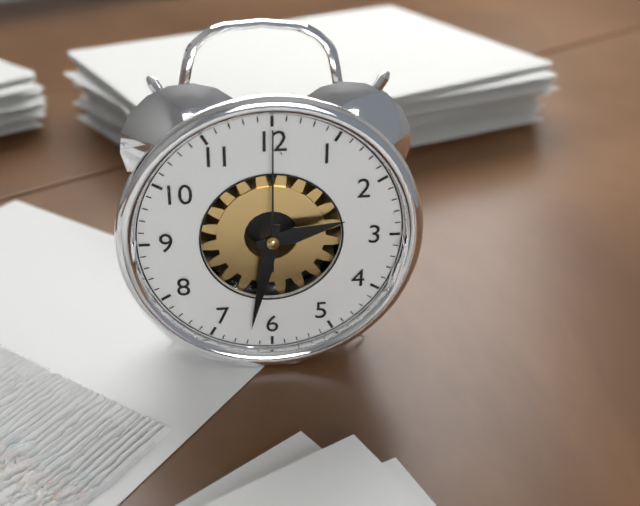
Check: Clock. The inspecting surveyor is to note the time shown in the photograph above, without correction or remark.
2:32:00
